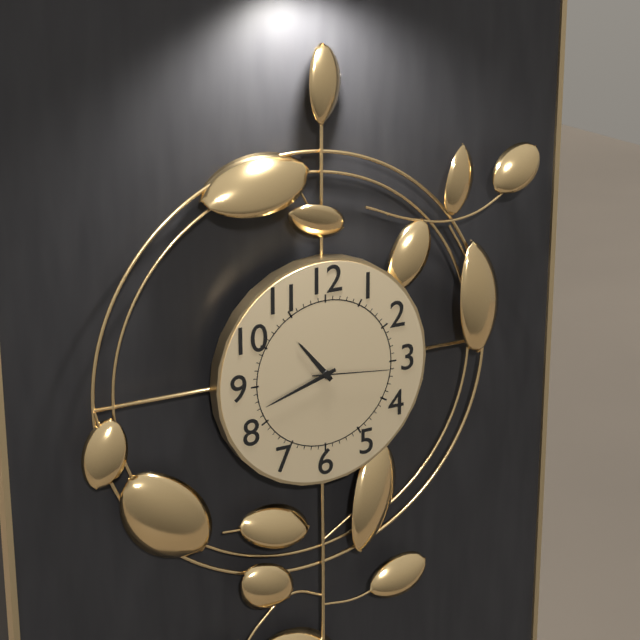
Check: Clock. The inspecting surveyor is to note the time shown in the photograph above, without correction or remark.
10:42:16
